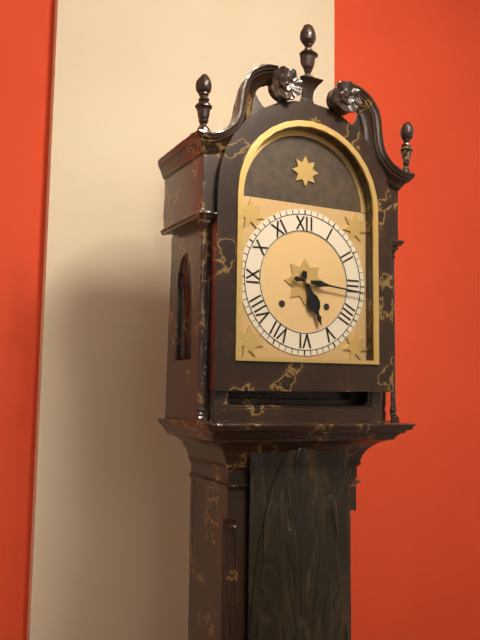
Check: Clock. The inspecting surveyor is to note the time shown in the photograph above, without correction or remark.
5:16
